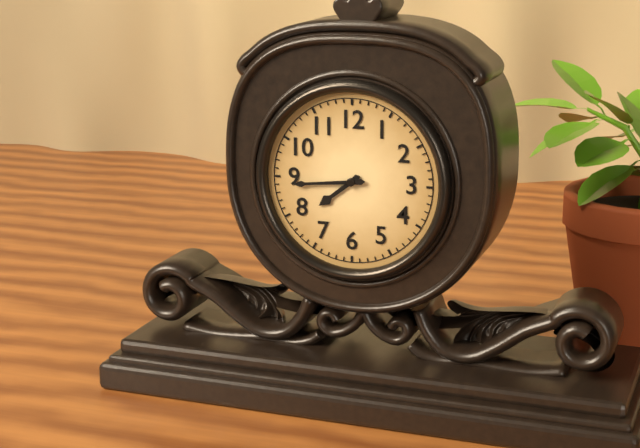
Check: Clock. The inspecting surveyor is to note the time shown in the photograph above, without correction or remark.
7:44
